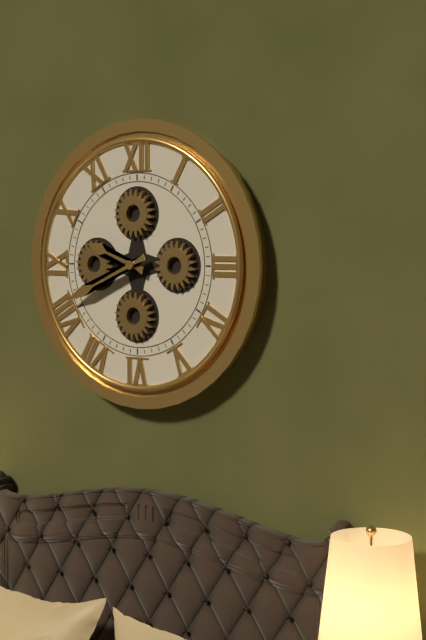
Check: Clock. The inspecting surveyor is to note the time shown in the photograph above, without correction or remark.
9:41
